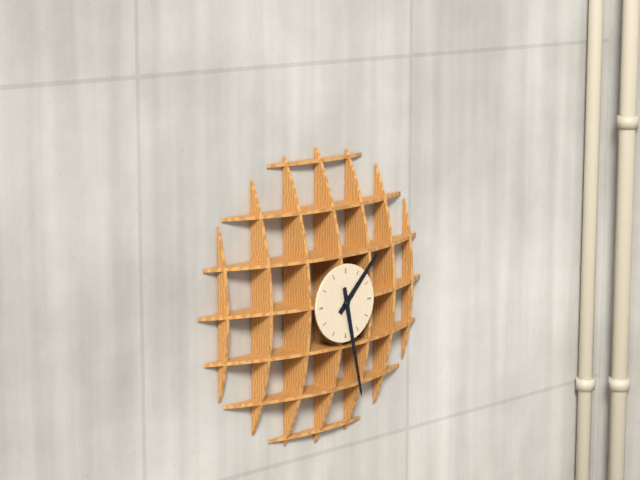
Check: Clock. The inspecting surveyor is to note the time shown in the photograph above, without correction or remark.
1:28
